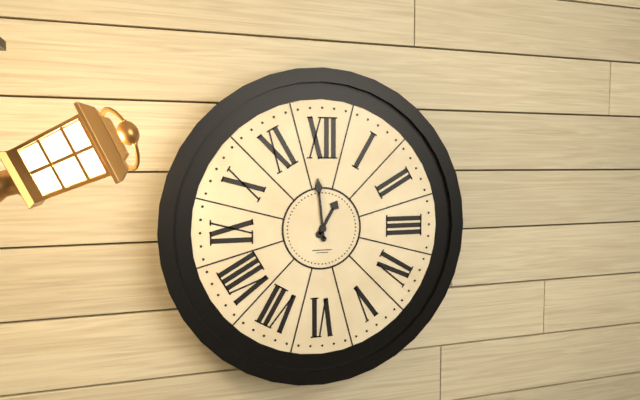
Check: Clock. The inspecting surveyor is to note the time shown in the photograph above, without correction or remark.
12:59
